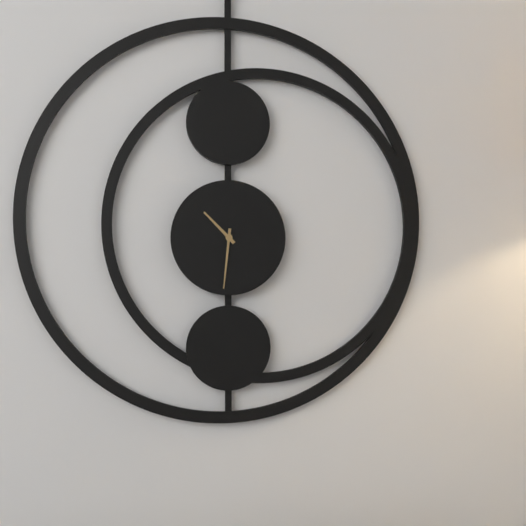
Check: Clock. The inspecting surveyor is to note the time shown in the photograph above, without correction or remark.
10:31
